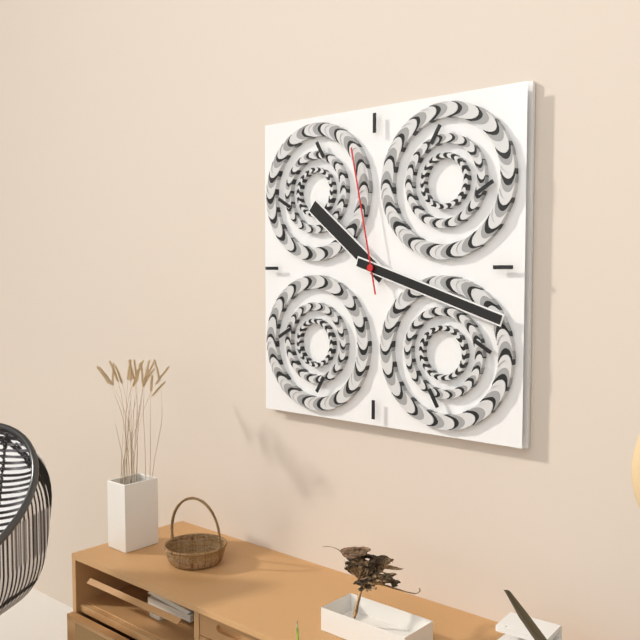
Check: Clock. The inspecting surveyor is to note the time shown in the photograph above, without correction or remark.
10:18:58
